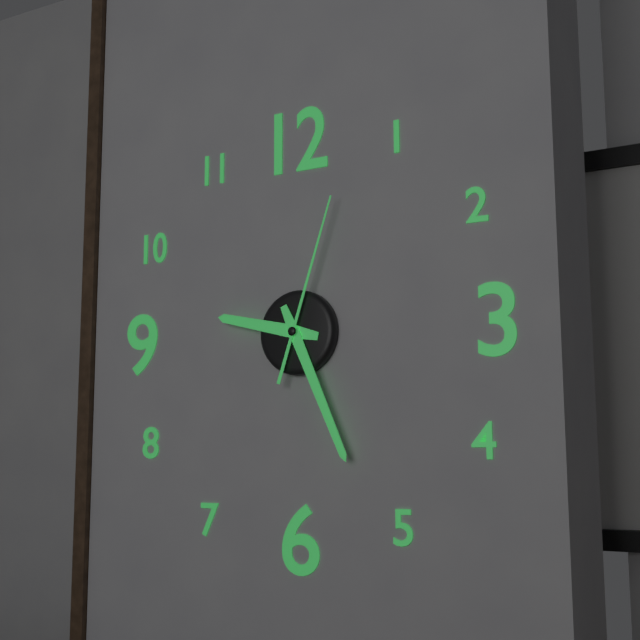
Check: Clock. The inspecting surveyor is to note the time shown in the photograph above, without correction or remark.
9:26:03
